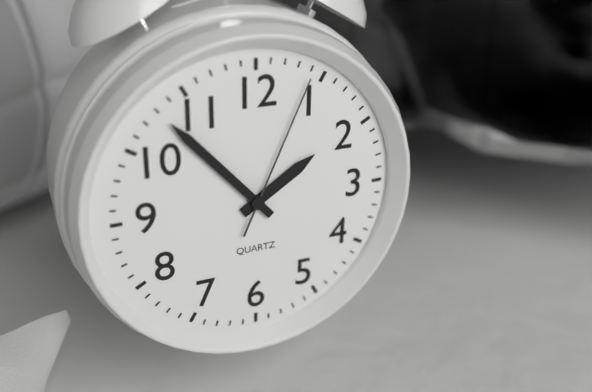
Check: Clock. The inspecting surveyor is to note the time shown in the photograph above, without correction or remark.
1:53:04
